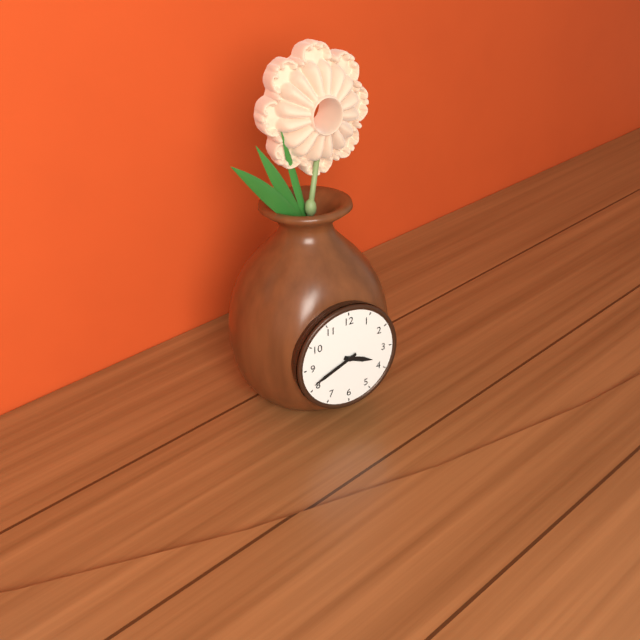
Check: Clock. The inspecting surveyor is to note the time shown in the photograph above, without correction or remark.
3:41
